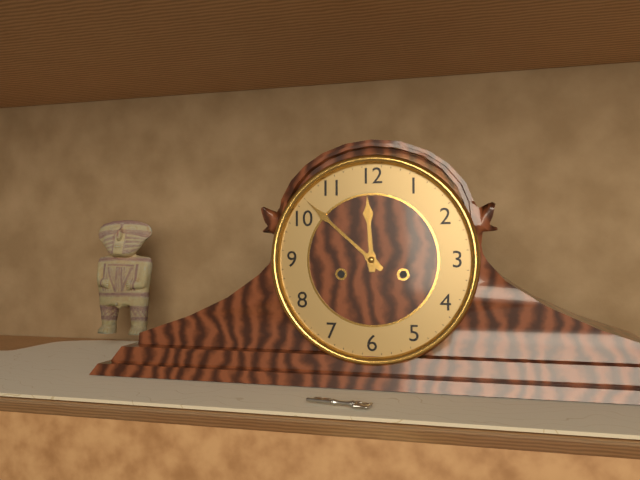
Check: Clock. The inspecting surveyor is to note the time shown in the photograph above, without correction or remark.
11:52
